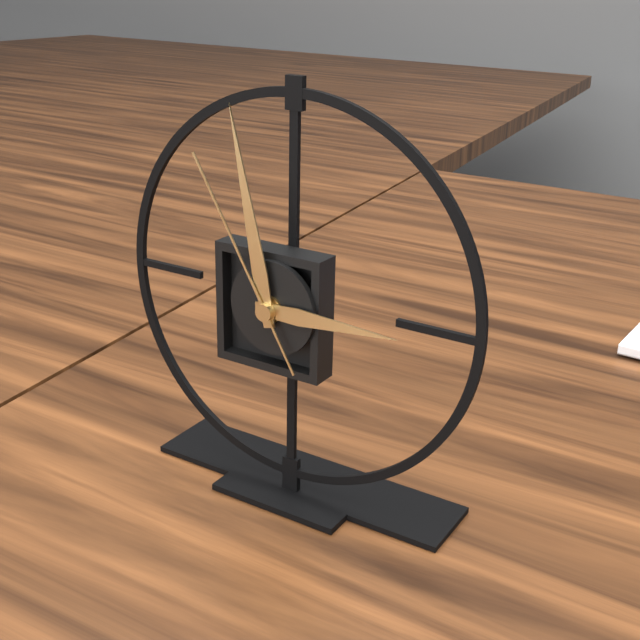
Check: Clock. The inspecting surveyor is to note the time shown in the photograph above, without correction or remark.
2:58:55
